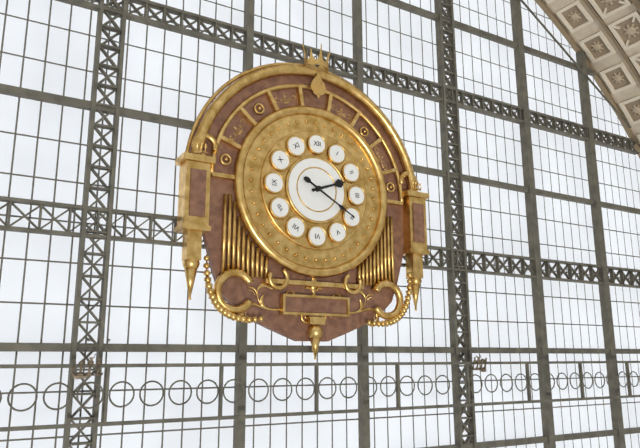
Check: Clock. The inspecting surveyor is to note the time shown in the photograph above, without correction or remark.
2:20
